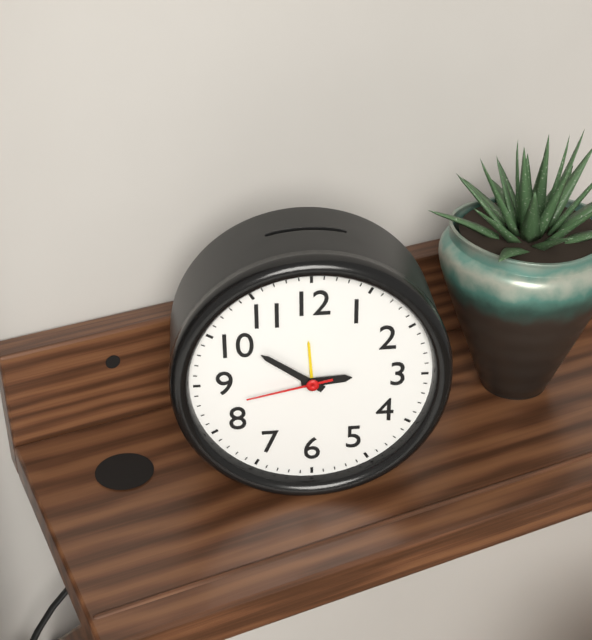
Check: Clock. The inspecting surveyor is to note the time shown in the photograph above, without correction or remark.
2:51:43
